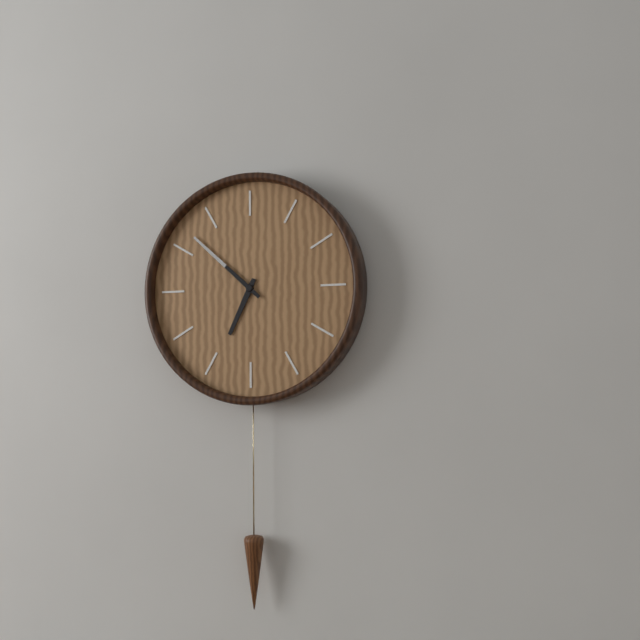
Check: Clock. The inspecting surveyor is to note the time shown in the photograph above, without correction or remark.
6:52
